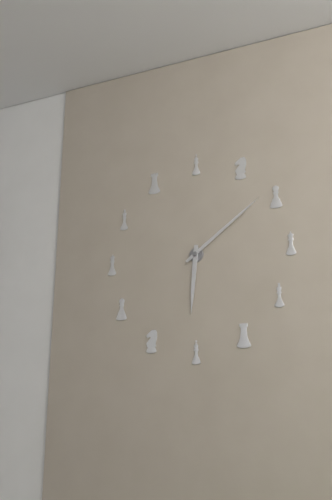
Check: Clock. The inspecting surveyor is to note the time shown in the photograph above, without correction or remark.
6:09
